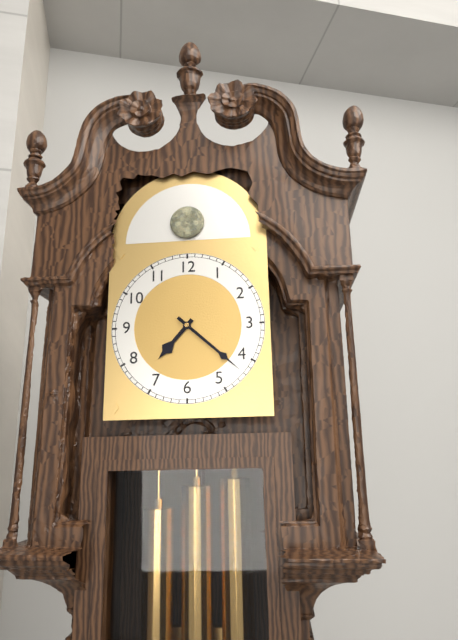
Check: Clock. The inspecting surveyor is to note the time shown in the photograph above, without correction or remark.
7:22
